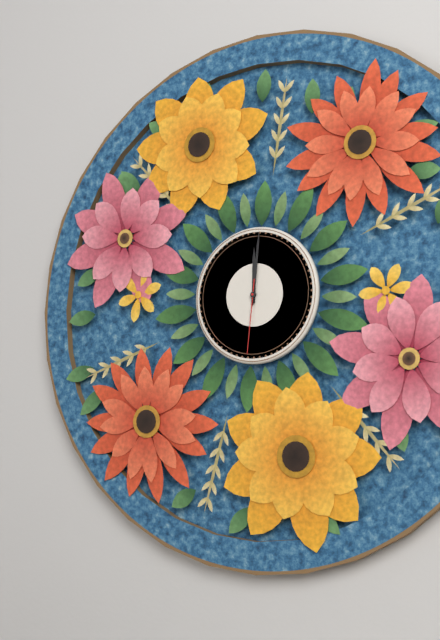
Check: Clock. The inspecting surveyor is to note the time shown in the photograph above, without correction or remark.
12:01:31
